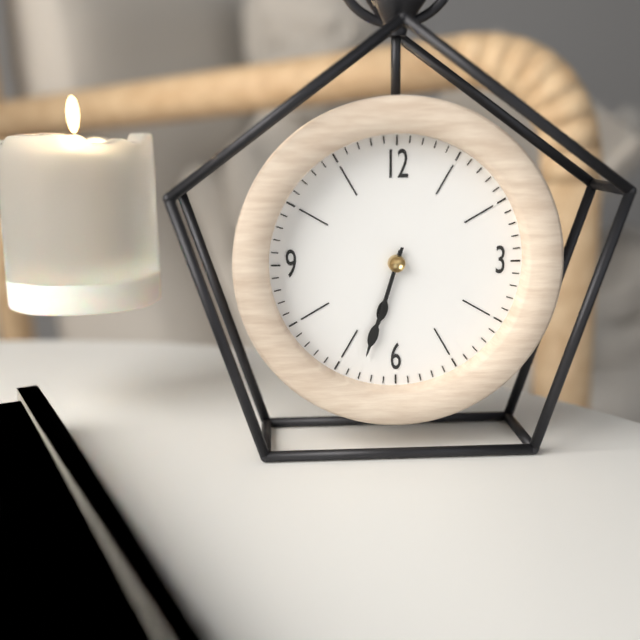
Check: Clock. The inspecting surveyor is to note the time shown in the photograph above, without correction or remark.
6:33
